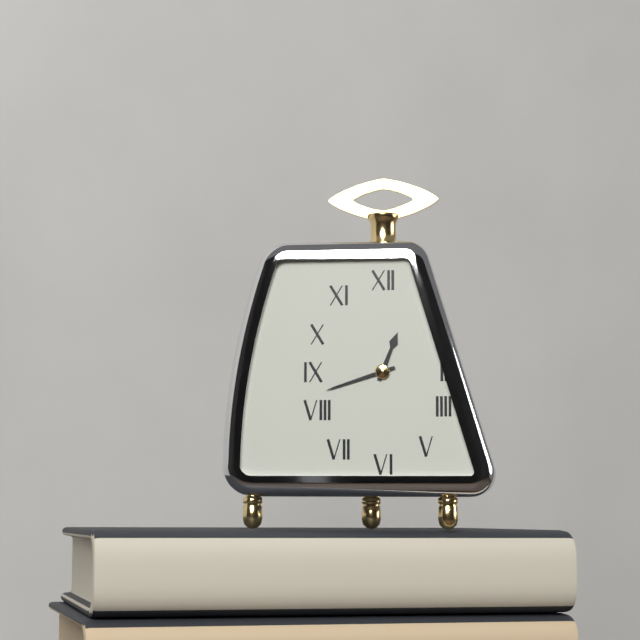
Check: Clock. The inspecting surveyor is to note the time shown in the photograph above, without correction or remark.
12:42
